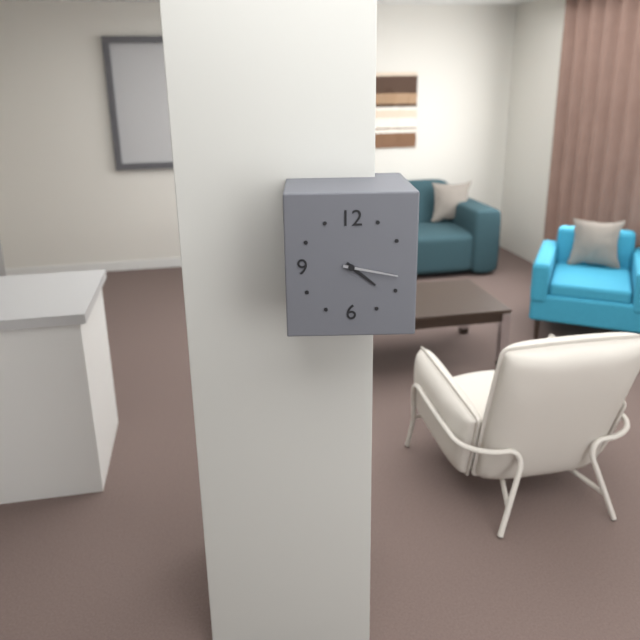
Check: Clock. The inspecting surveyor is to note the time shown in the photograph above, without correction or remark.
4:17
